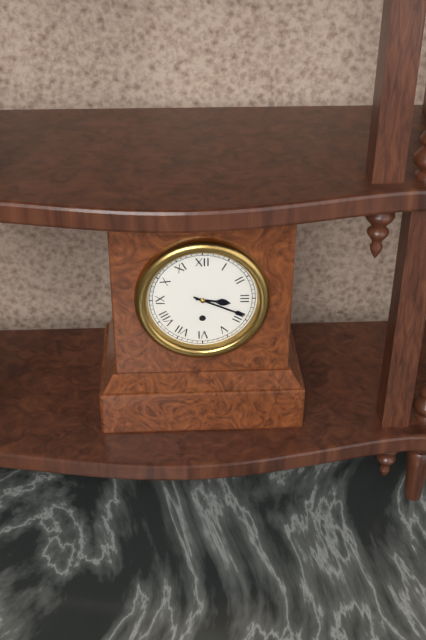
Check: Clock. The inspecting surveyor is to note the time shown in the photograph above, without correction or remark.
3:19
